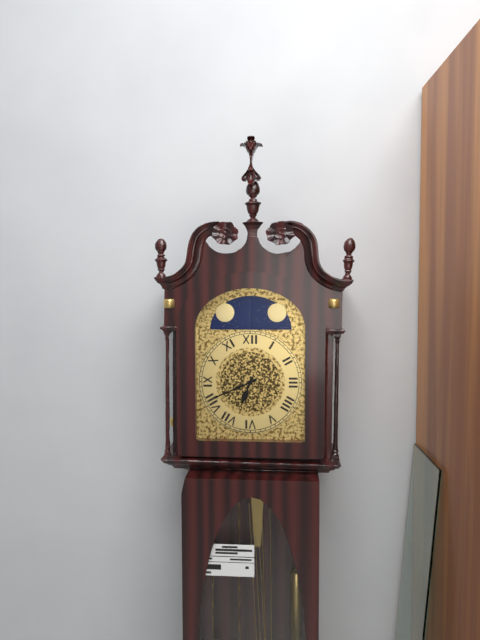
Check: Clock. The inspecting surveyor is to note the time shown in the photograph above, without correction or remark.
6:41
